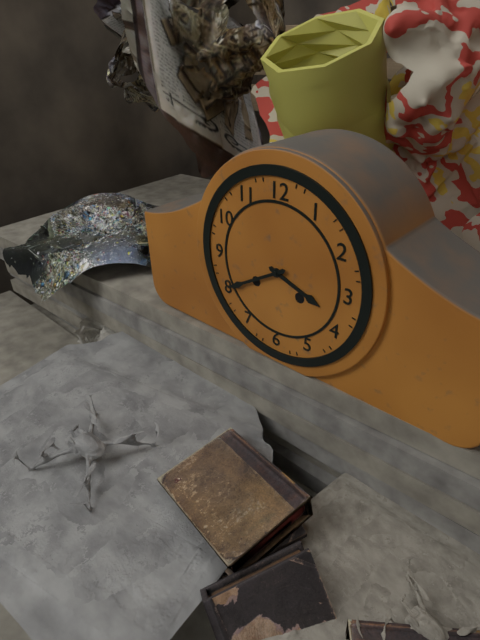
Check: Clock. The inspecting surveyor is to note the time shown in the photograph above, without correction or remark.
3:40
